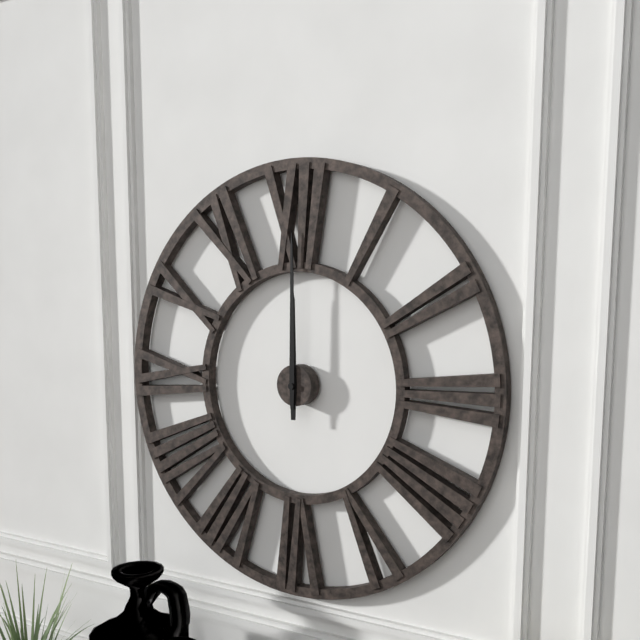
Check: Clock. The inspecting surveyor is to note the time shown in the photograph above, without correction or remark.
12:00
